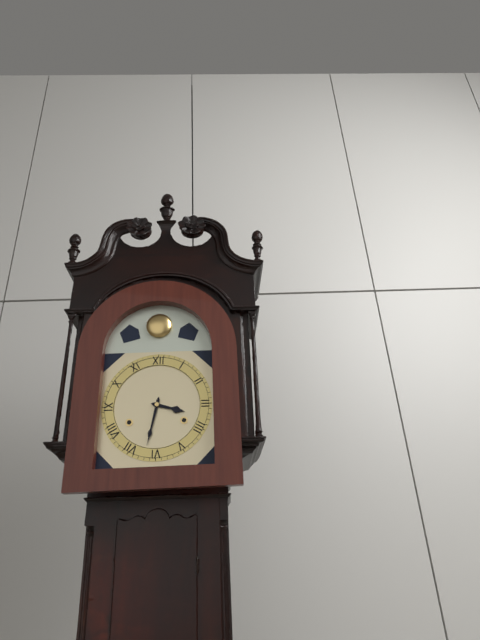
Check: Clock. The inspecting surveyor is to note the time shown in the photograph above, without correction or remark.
3:32
